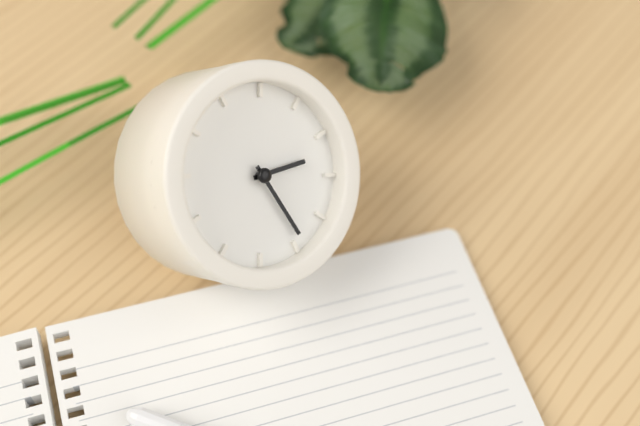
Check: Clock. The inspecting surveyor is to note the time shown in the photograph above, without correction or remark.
3:29
